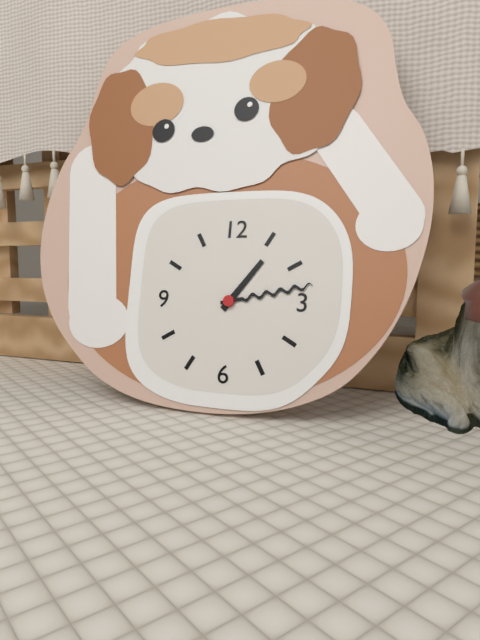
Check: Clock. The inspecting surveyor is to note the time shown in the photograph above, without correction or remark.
1:13
